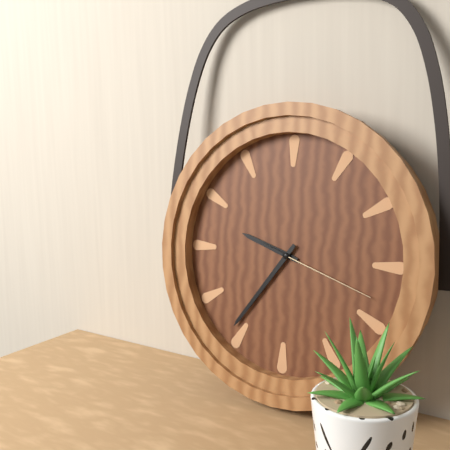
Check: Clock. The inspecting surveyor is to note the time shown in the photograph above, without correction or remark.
9:36:18
